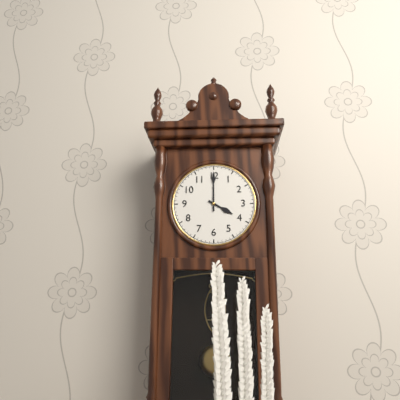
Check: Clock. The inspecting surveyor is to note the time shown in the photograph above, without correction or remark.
4:00
